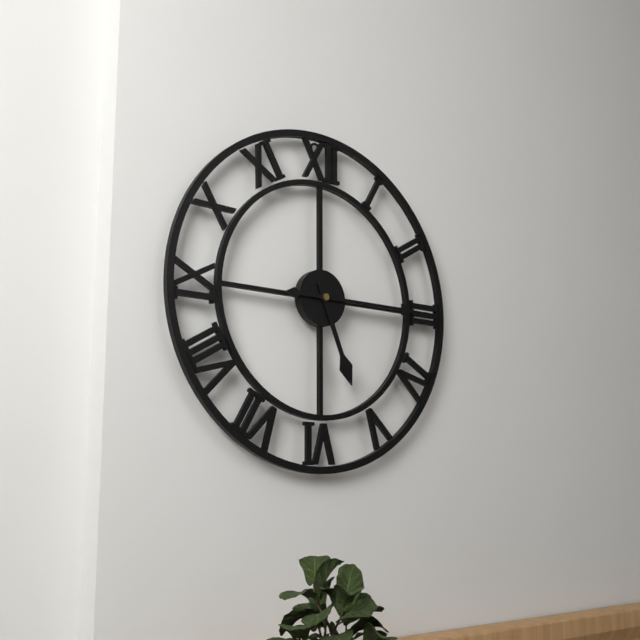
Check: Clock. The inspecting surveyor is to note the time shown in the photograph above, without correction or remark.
5:15
